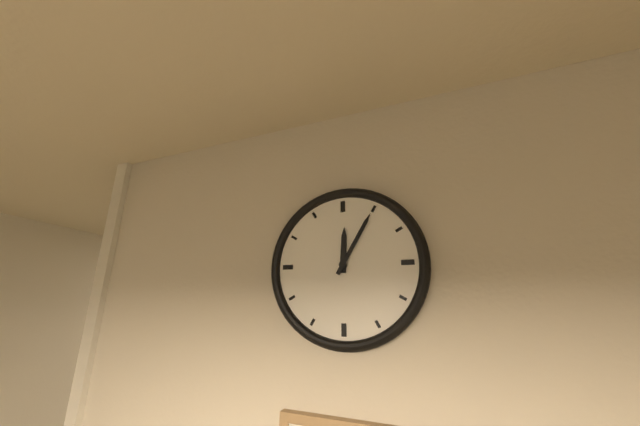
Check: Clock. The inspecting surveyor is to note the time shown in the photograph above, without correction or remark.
12:05
